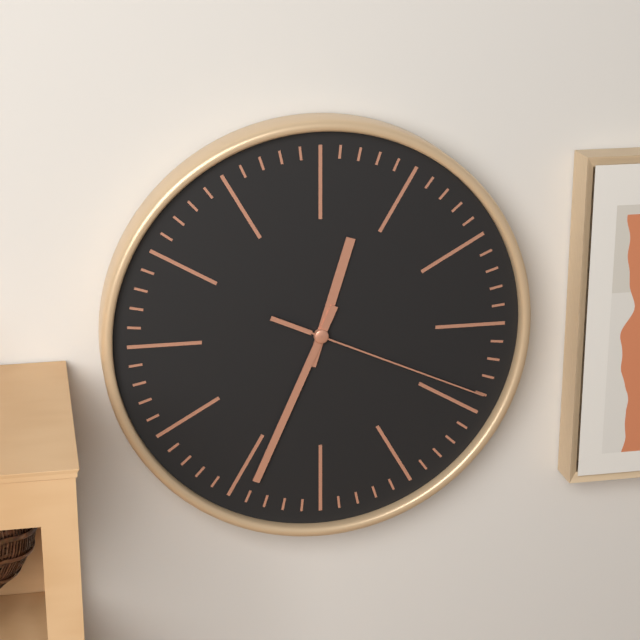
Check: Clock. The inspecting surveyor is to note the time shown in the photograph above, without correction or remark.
12:34:19
